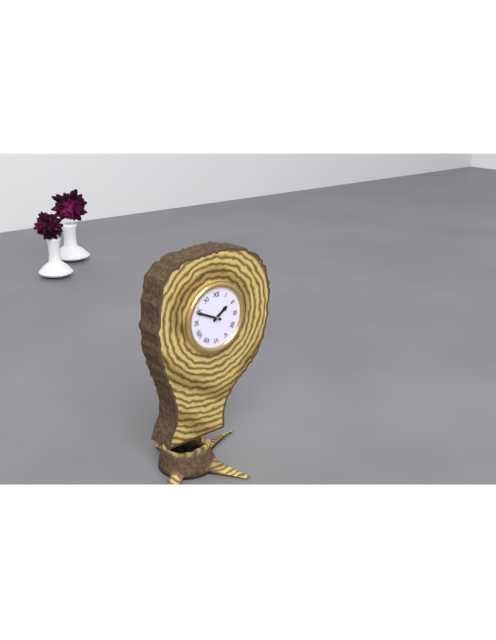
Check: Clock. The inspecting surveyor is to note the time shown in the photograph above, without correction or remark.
1:49
